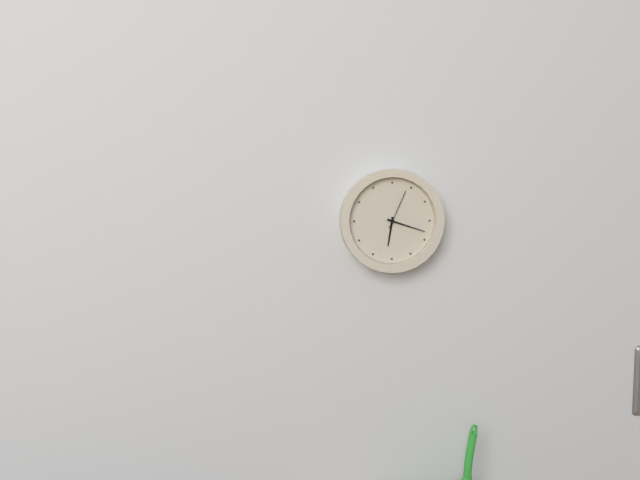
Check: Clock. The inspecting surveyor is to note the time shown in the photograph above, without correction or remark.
6:18
